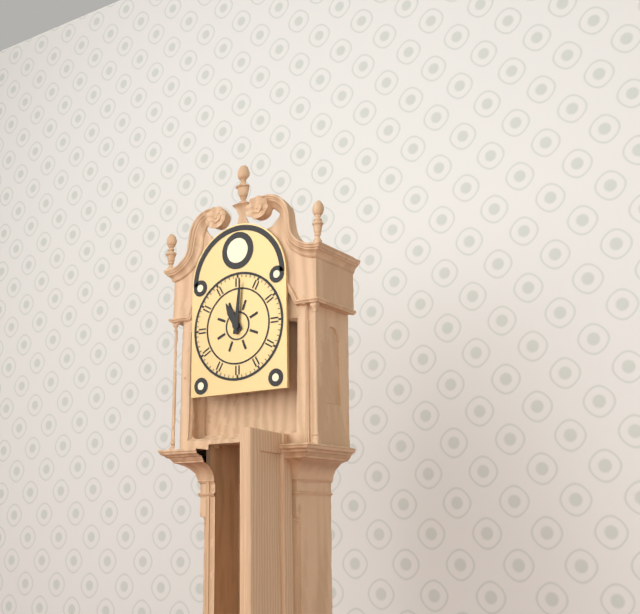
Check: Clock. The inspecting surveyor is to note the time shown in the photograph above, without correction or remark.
11:01
